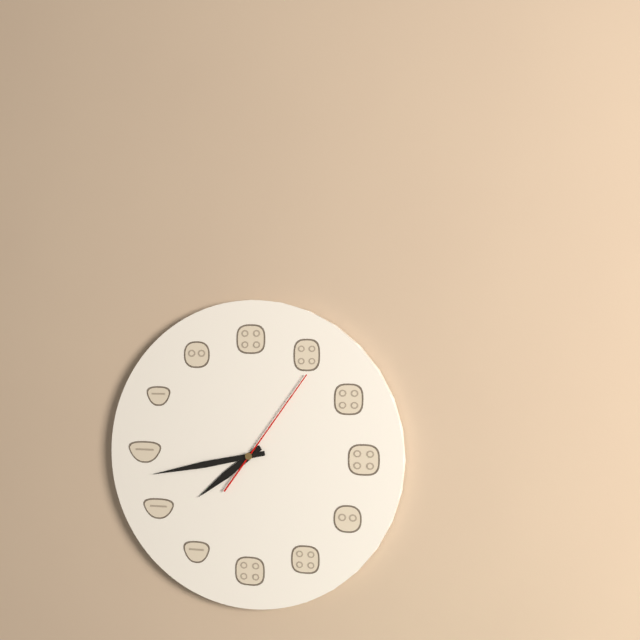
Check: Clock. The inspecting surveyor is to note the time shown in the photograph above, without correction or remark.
7:43:06
